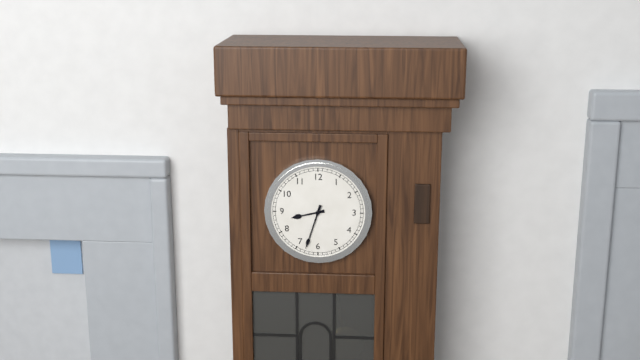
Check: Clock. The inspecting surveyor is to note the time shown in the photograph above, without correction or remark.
8:33
